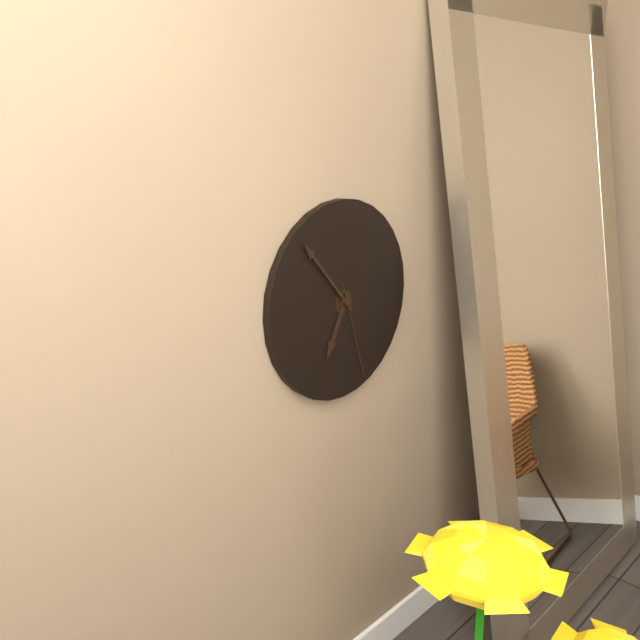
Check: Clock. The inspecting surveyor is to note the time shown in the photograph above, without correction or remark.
6:53:27
